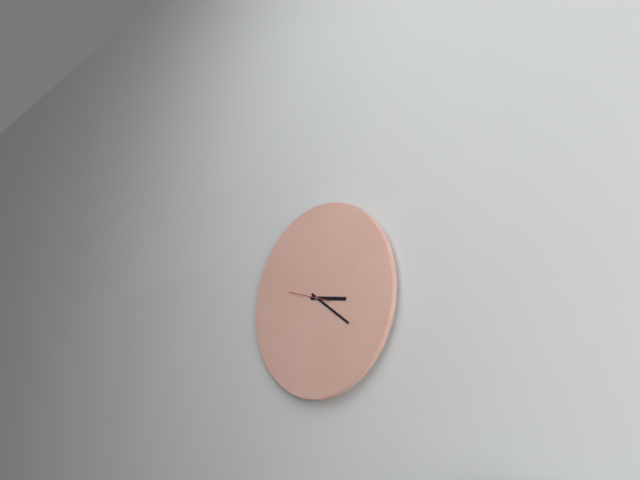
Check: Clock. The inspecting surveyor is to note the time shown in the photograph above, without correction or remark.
3:21
